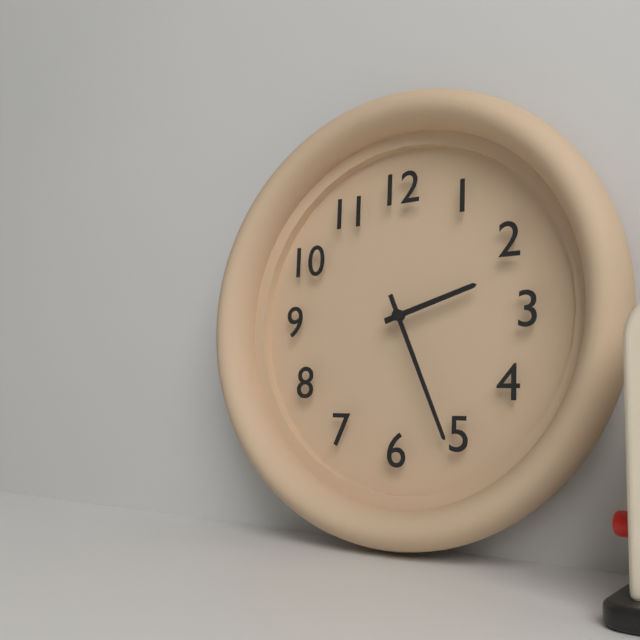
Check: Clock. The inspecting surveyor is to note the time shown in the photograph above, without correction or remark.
2:26
